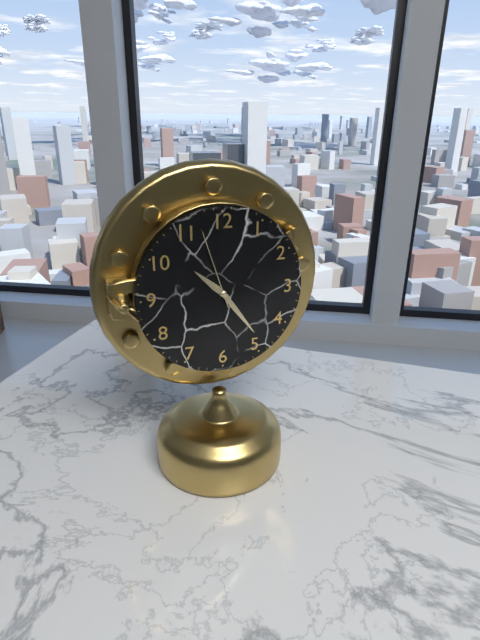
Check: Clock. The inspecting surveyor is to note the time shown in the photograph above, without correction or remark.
10:24:57
